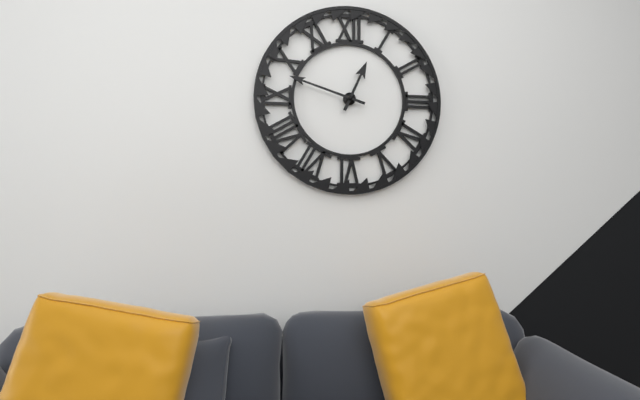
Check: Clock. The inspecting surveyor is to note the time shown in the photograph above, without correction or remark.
12:48
